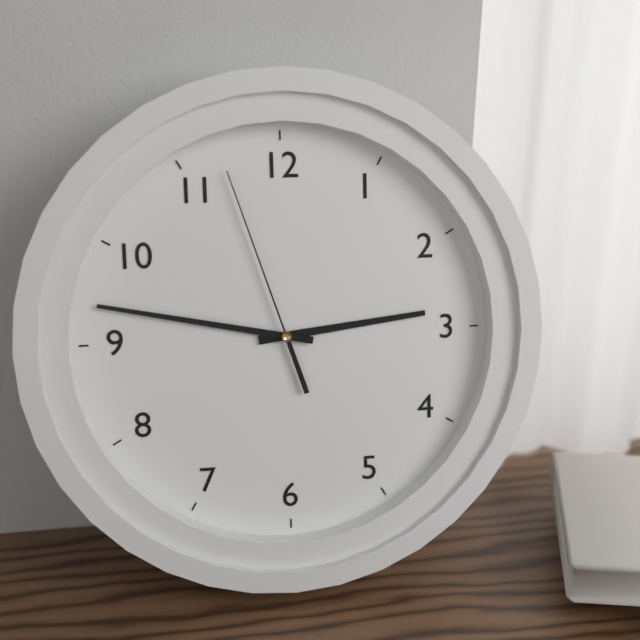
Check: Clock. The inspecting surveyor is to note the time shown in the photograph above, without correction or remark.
2:47:57
